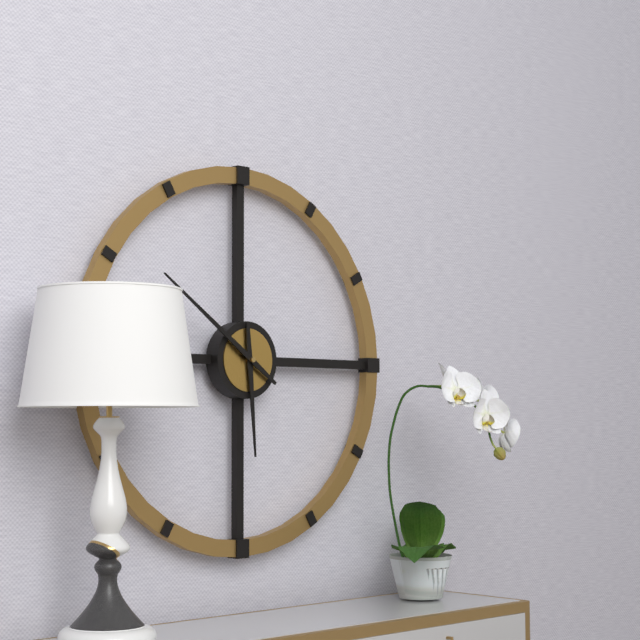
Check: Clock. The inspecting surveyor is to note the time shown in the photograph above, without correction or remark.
5:51
